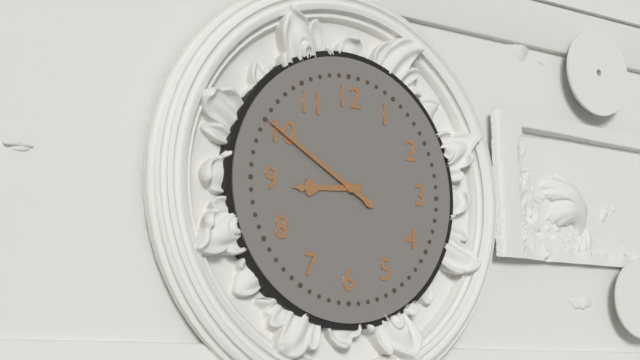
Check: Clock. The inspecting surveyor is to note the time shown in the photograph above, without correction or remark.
8:50
